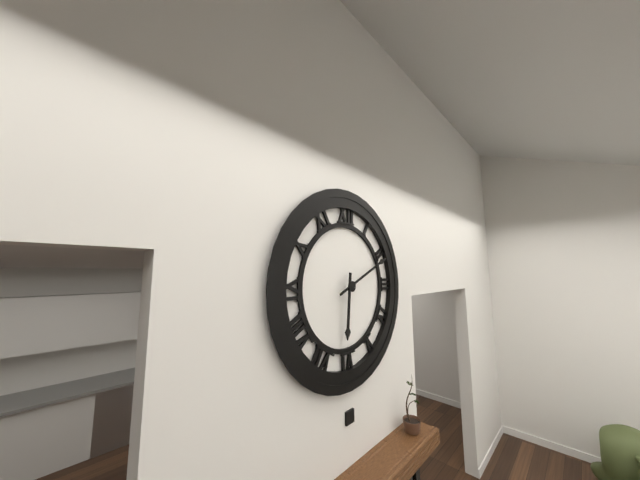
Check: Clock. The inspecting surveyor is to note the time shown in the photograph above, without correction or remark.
6:11
